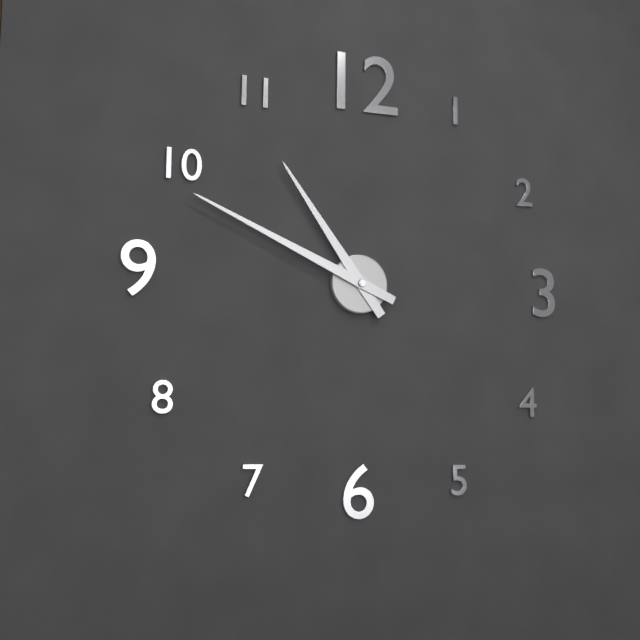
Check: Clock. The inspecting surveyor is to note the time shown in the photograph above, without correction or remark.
10:49
